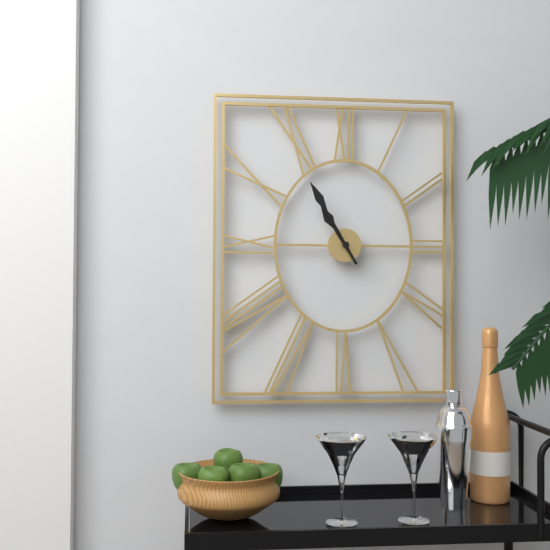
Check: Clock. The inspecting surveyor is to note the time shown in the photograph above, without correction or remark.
10:55
